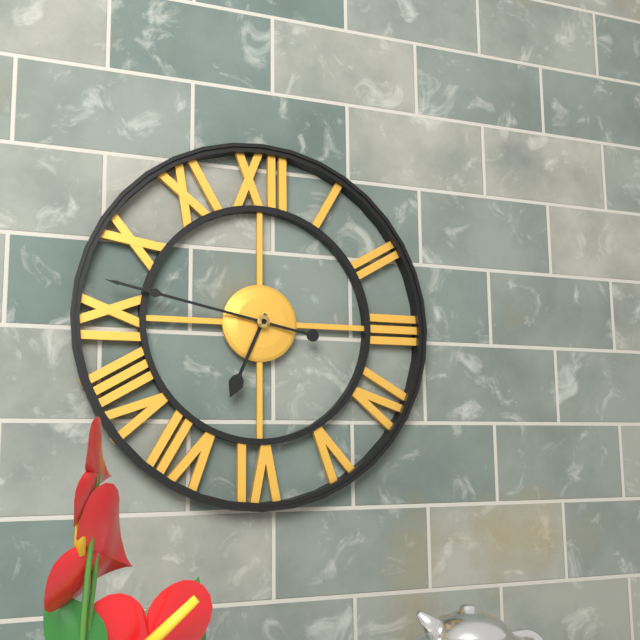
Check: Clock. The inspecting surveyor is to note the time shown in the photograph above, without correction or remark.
6:47
